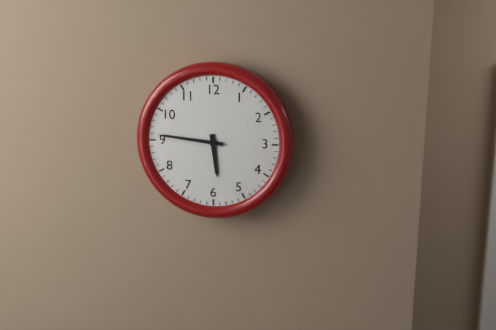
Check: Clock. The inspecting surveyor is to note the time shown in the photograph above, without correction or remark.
5:46
